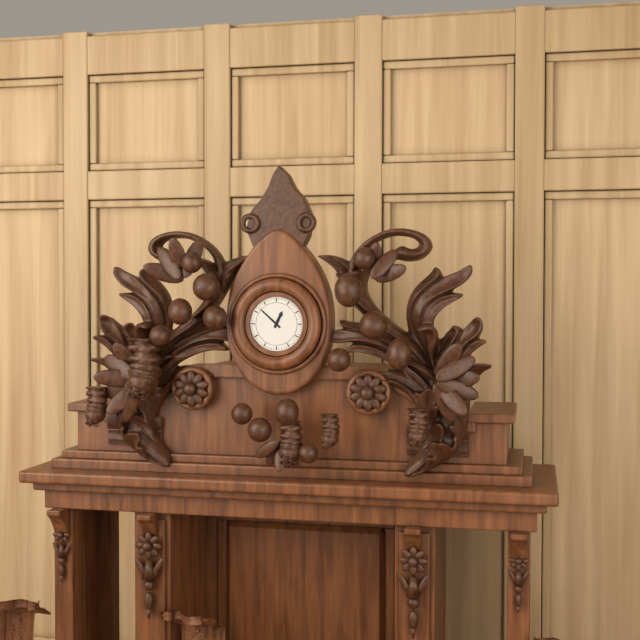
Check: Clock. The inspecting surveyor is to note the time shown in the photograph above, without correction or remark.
12:52
